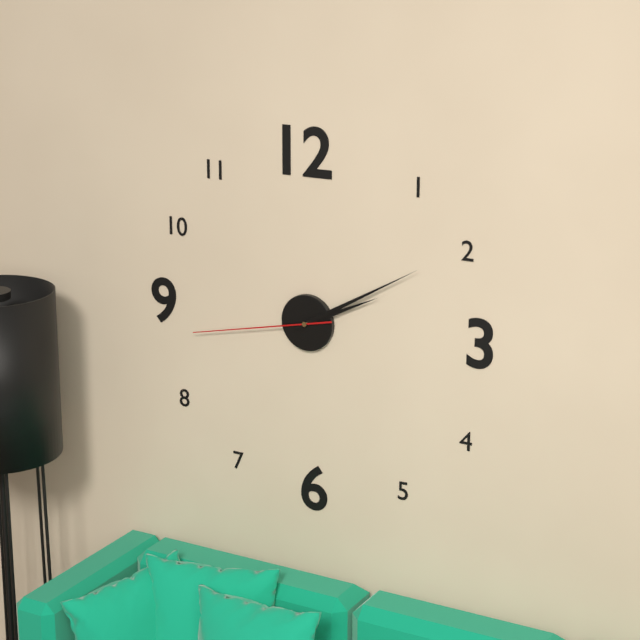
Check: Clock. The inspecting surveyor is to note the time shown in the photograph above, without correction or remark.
2:10:43
